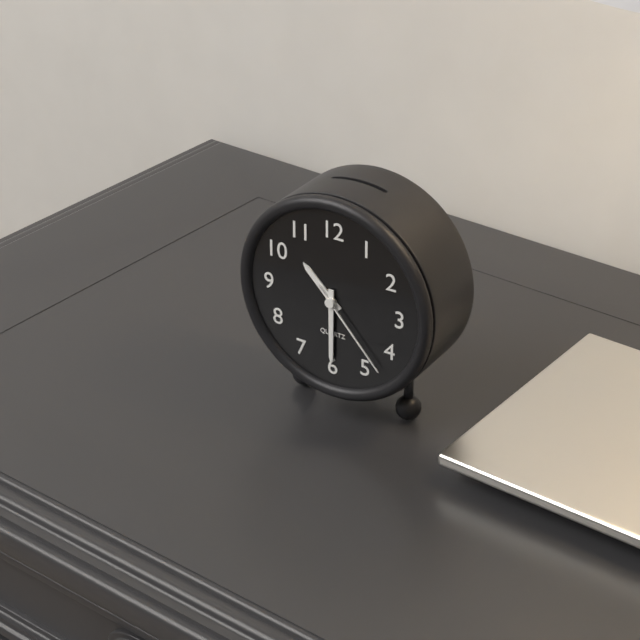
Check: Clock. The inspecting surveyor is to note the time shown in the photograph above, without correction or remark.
10:30:23
